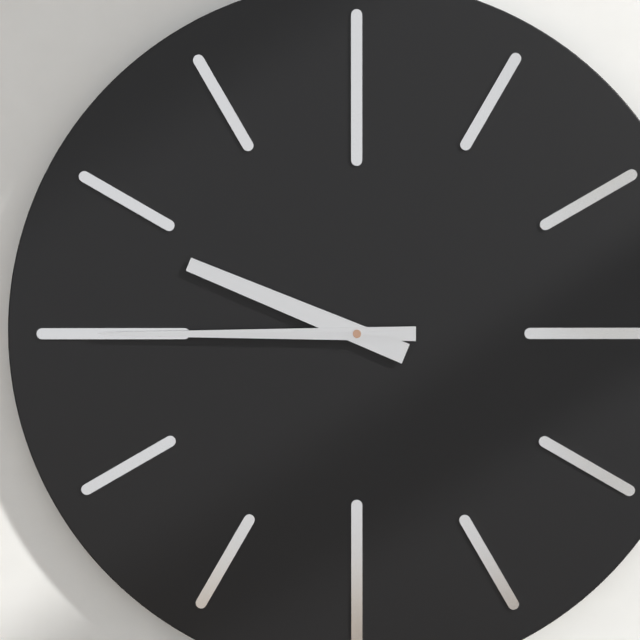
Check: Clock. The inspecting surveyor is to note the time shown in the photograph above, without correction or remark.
9:45:45
